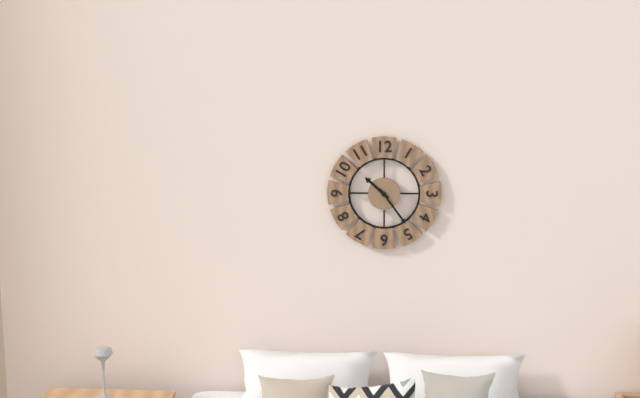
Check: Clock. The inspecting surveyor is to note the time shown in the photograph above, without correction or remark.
10:24
